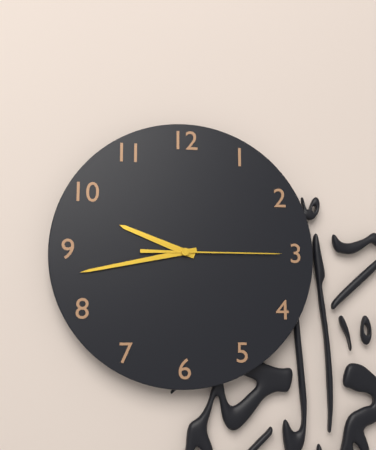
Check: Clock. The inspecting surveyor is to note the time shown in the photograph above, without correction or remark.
9:43:15
